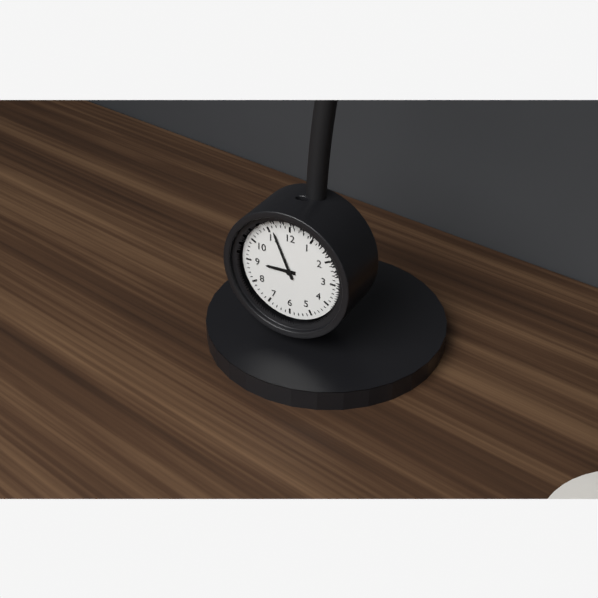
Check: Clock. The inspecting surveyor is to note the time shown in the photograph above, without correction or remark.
8:56
